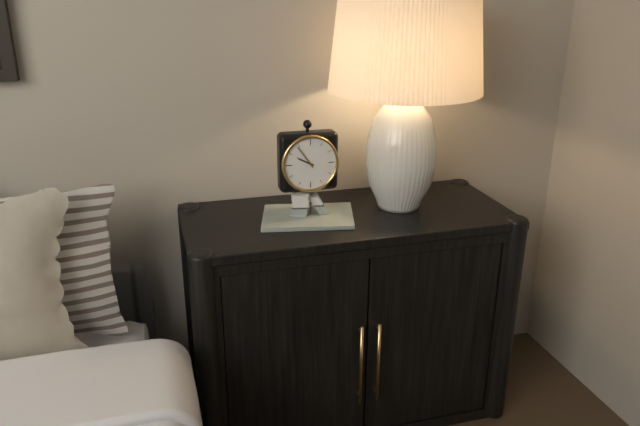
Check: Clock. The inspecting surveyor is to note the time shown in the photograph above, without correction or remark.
9:54
